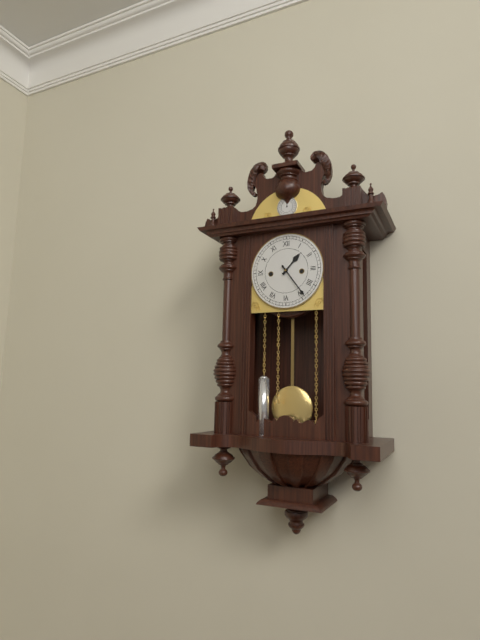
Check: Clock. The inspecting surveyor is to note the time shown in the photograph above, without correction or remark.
1:24
